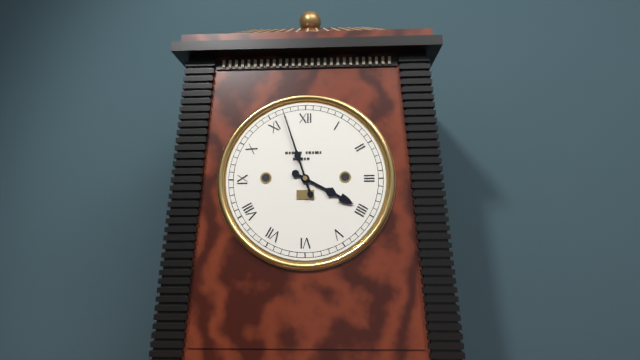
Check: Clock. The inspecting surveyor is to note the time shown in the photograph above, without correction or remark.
3:57
